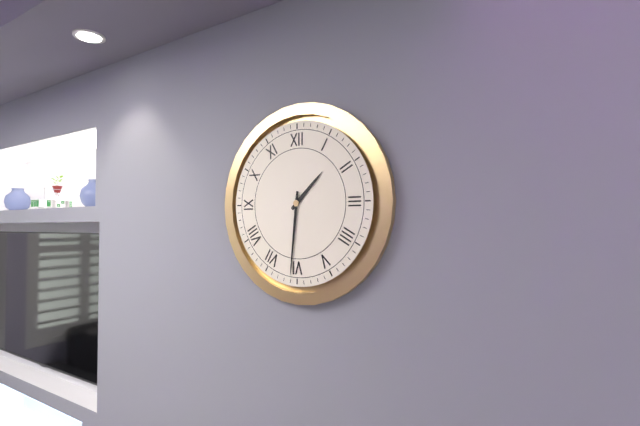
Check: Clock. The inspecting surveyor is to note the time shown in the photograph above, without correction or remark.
1:31
